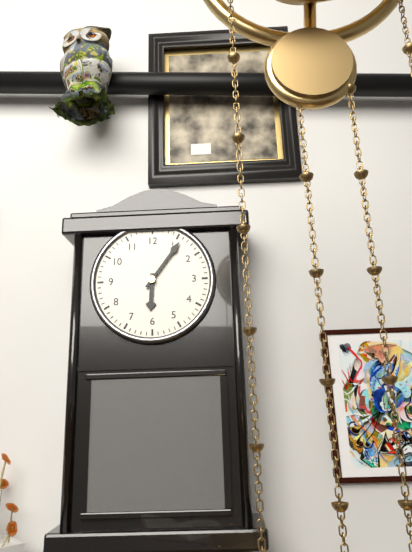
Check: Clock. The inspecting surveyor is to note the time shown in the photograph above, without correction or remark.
6:06
